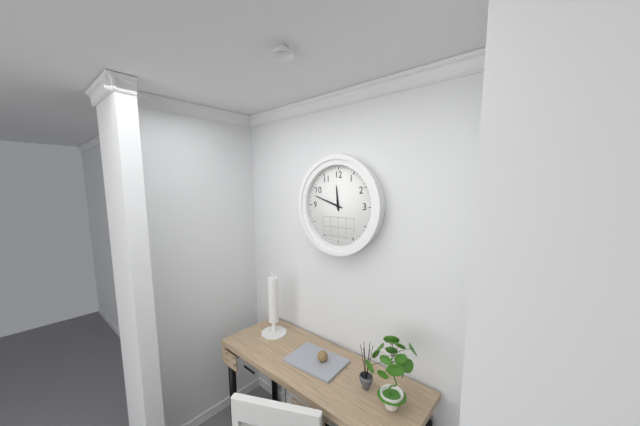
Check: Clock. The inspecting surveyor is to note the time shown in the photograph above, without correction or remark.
11:48
